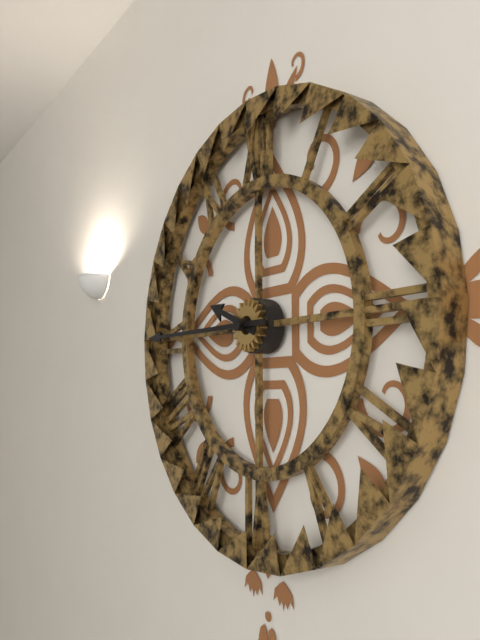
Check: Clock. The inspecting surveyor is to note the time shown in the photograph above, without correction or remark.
9:45
